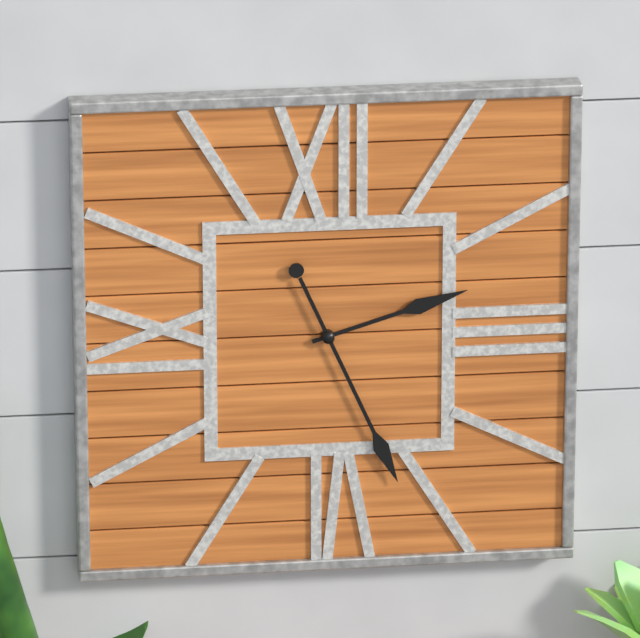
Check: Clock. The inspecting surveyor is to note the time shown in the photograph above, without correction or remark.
2:26
